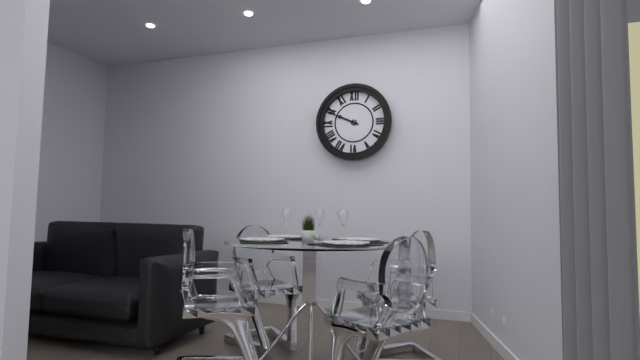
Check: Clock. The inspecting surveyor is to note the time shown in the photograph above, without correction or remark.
9:49
